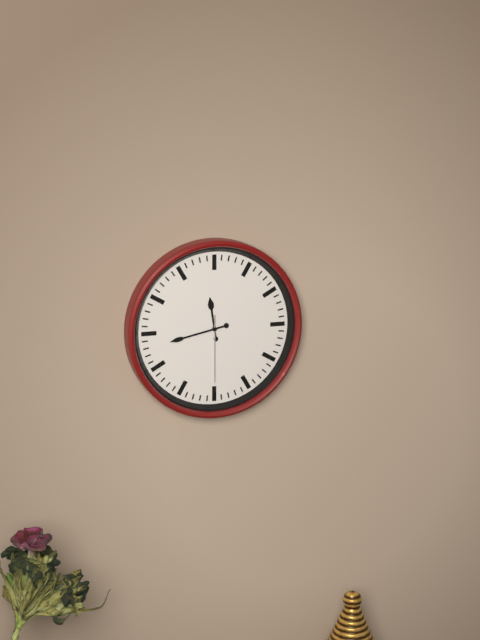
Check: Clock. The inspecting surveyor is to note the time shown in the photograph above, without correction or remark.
11:43:30
